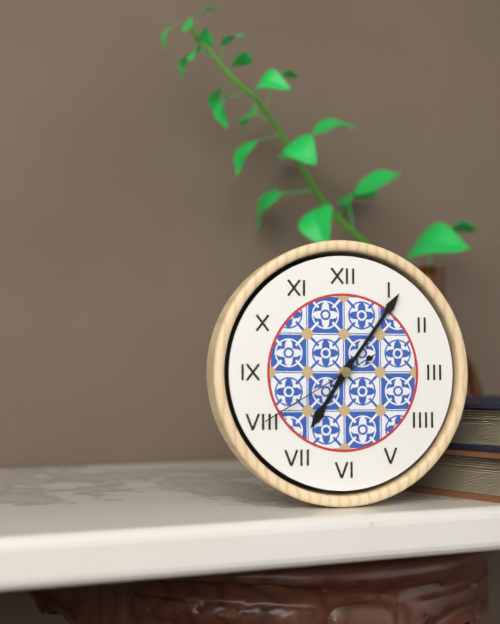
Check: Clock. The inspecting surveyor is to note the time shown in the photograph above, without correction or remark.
7:06:40
